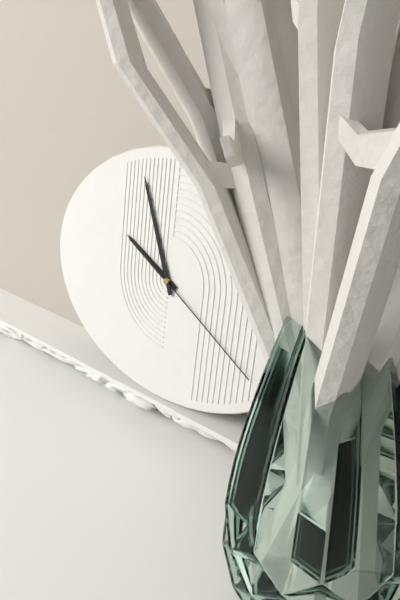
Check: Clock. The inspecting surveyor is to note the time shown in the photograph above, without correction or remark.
9:56:20
